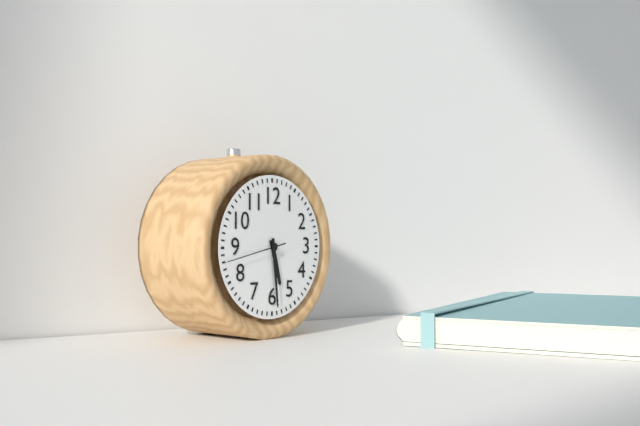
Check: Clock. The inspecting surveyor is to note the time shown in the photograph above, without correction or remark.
5:29:43
